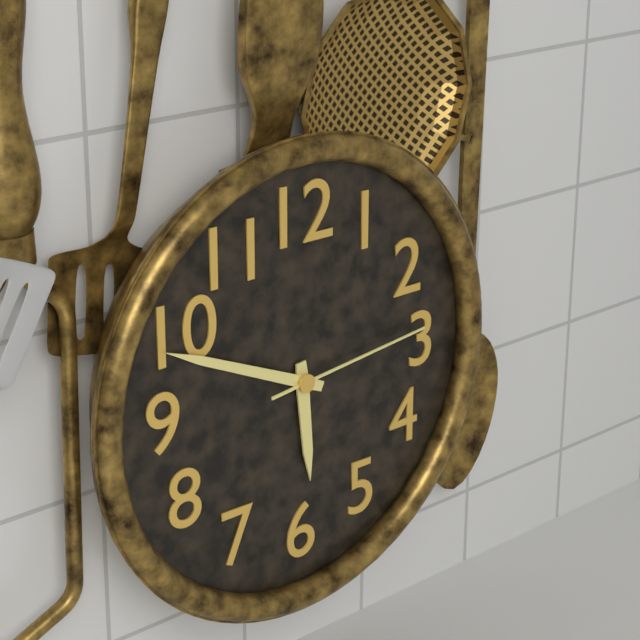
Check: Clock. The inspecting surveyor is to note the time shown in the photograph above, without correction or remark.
5:49:14
